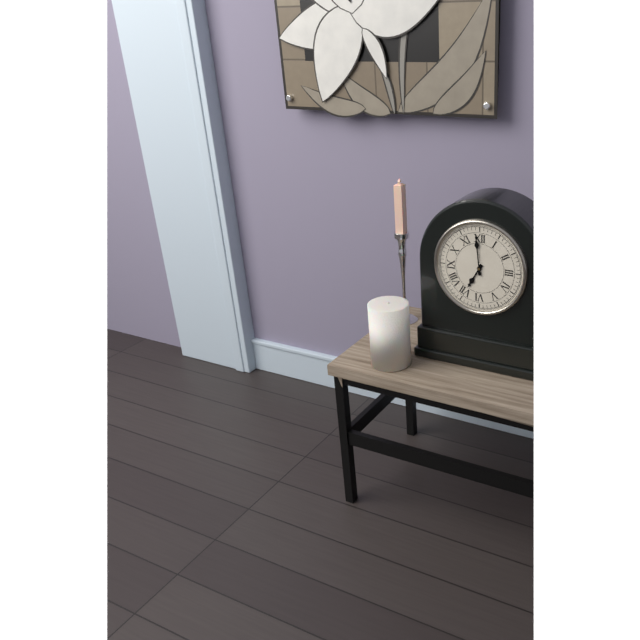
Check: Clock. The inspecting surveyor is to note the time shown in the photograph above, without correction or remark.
6:59
